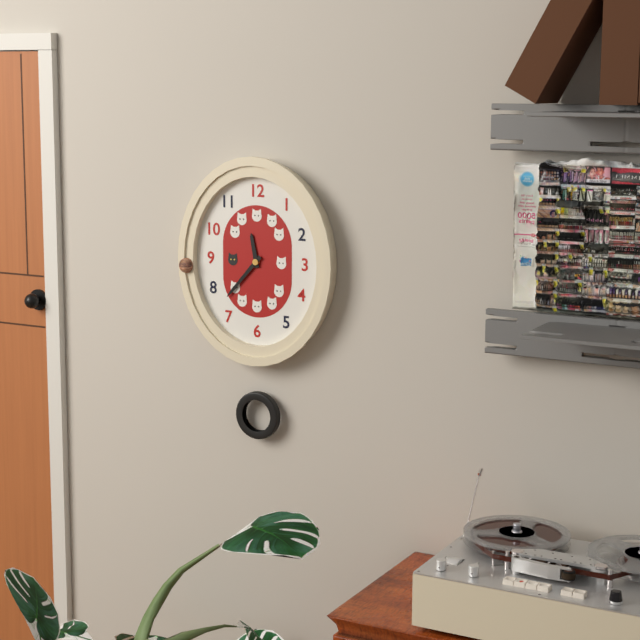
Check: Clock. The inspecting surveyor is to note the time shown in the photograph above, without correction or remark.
11:37
